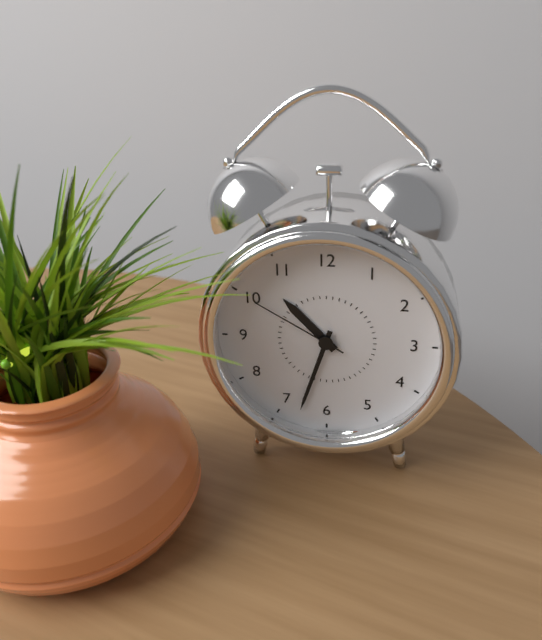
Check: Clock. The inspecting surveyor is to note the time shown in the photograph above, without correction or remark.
10:33:50
